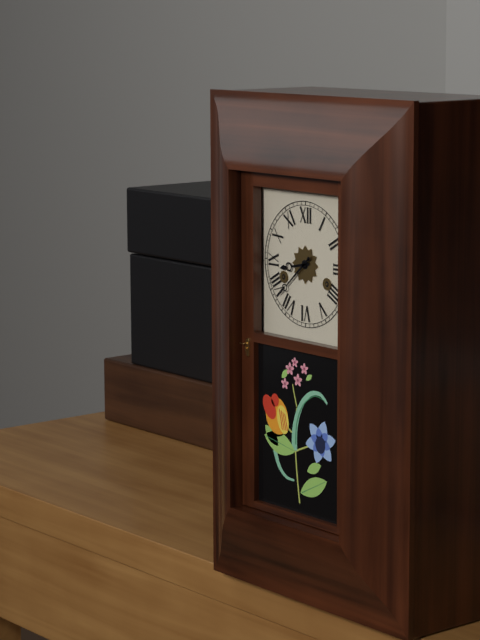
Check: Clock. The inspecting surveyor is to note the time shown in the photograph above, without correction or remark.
8:38
